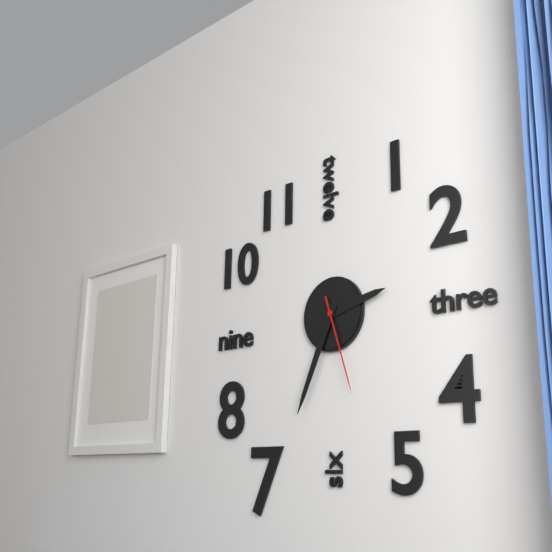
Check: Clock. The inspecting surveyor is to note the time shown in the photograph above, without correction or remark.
2:34:27
